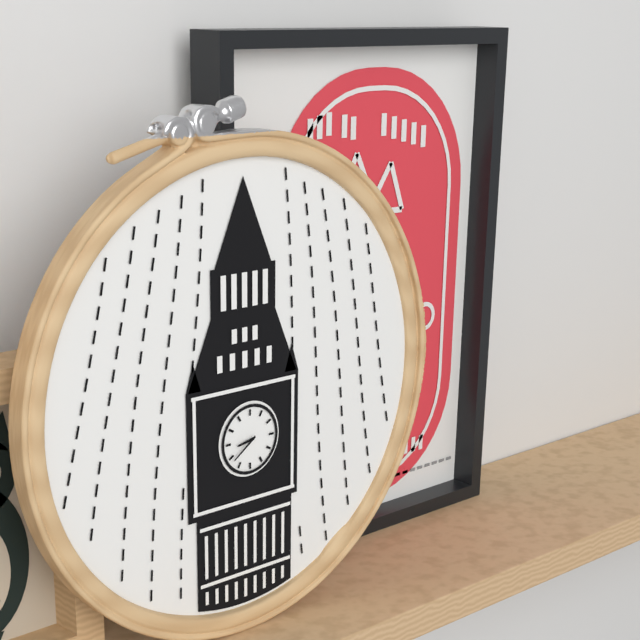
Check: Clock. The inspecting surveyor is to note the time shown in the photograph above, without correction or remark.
8:39
